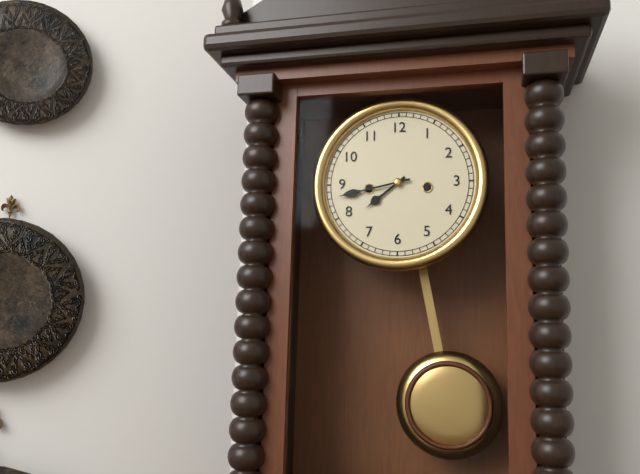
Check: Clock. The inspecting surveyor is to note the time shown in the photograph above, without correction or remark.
7:43
